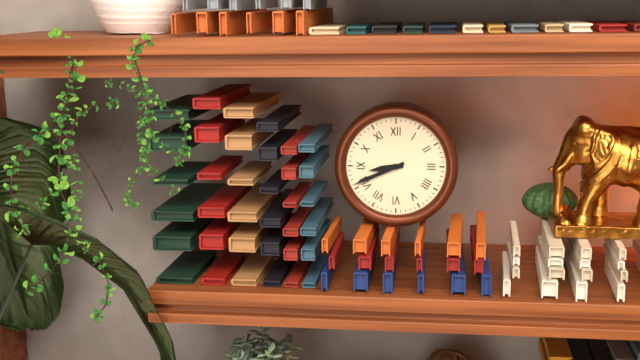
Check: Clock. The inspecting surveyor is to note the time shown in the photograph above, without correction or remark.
8:41
